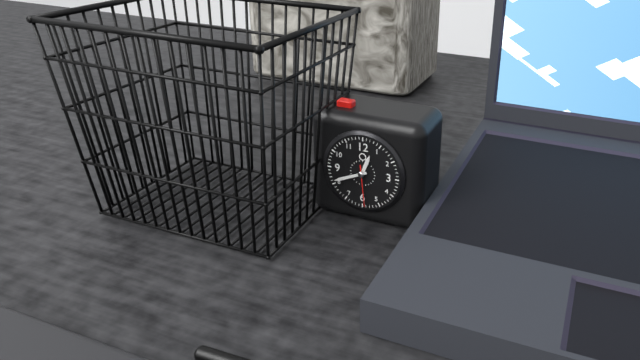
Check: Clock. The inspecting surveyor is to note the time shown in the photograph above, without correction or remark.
12:41
